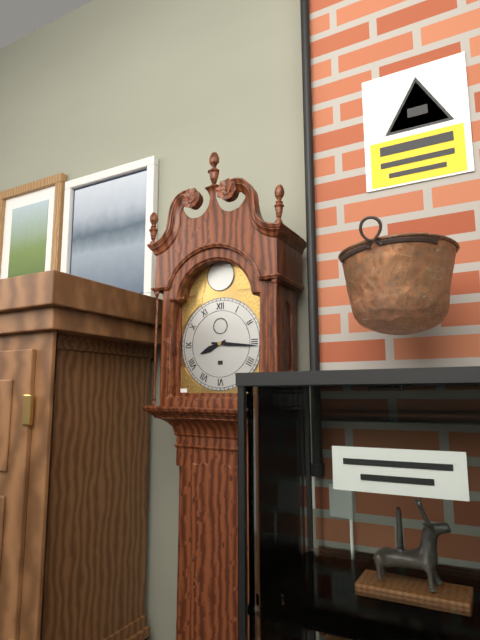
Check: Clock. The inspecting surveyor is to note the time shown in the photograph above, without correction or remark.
8:16
